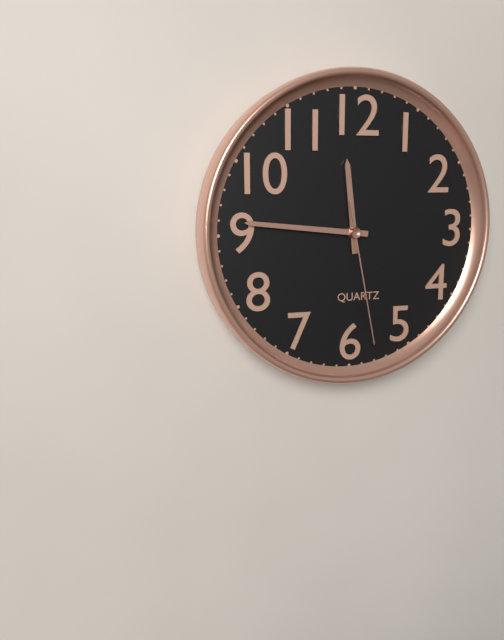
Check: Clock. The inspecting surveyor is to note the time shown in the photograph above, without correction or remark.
11:46:28
